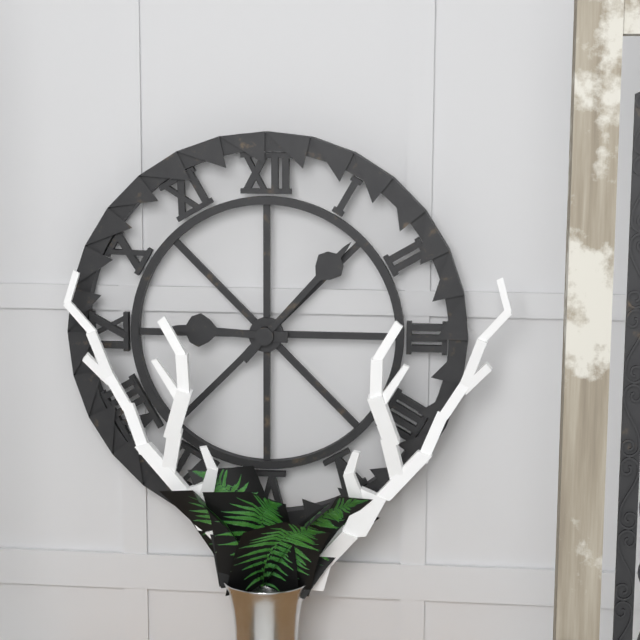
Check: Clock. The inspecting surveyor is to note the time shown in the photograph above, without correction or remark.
9:07
